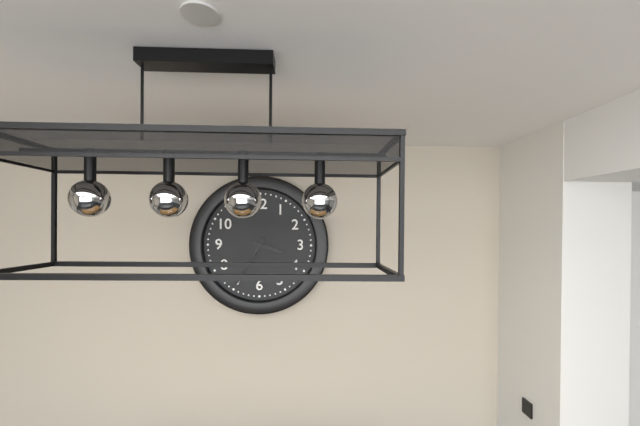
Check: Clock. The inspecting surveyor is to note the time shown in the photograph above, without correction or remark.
3:35
